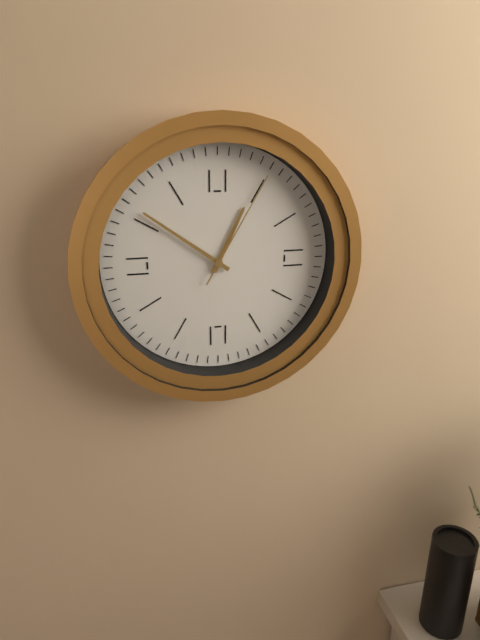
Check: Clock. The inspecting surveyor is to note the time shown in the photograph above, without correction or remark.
12:51:05
